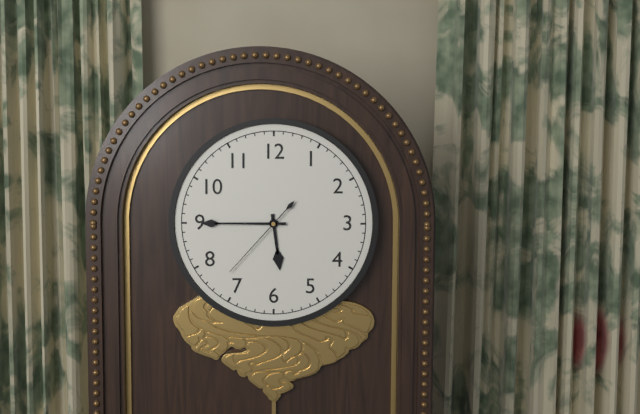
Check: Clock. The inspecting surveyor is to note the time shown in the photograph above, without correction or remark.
5:45:37
